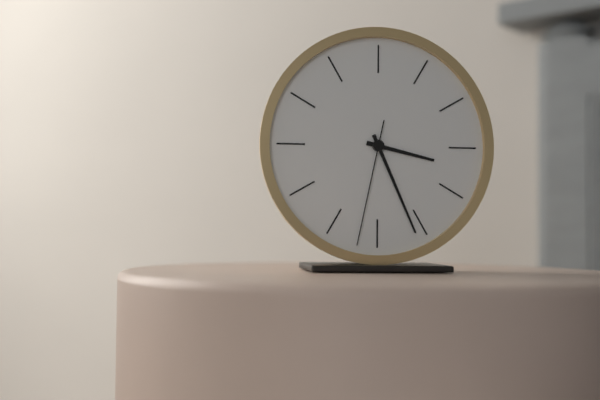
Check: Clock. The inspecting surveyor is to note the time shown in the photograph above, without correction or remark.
3:26:32
